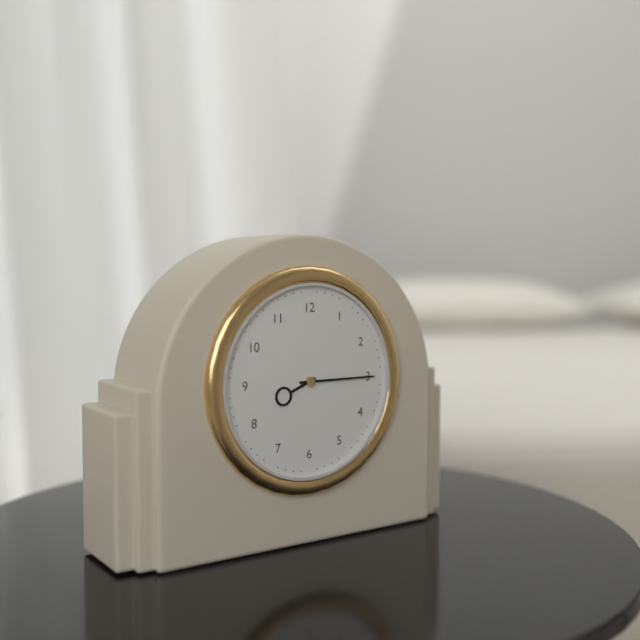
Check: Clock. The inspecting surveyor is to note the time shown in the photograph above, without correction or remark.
8:15
